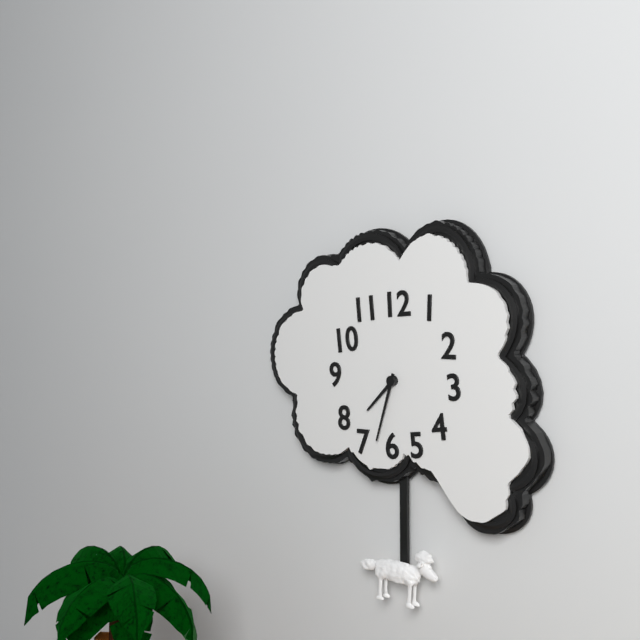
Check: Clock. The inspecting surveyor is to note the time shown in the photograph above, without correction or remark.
7:33
